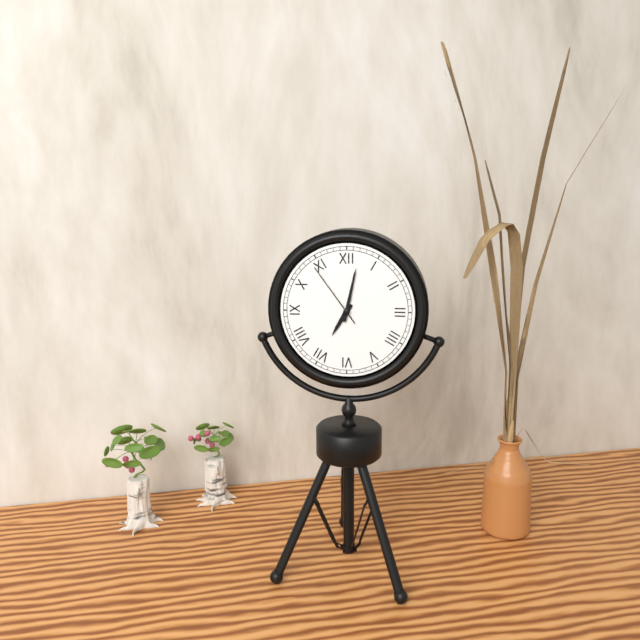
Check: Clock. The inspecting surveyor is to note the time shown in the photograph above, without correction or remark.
7:02:54
